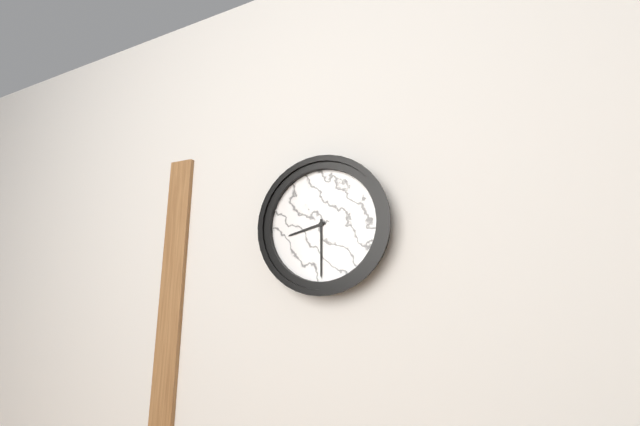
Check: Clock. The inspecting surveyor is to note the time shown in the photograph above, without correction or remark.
8:30
